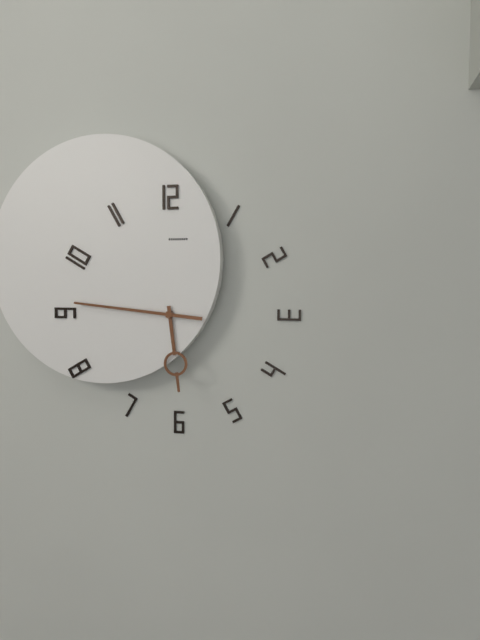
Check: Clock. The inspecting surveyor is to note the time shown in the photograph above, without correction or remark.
5:46
